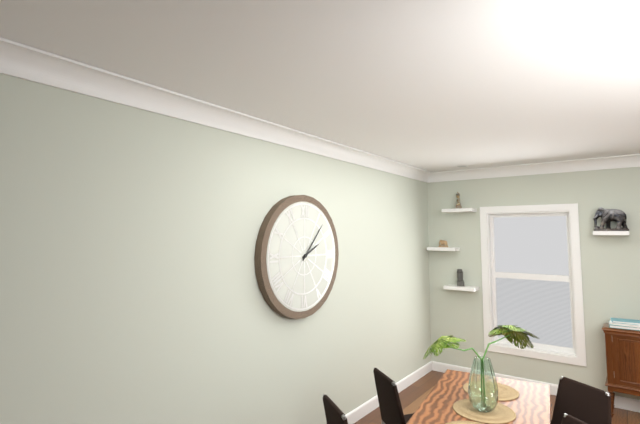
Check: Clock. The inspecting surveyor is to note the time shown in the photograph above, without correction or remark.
2:07
